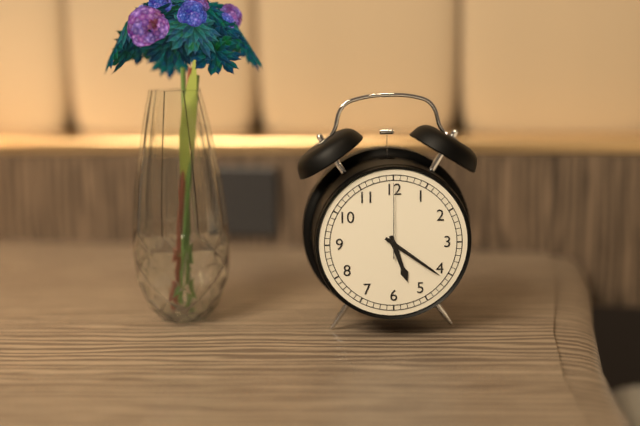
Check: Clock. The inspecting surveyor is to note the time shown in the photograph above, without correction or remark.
5:21:00
